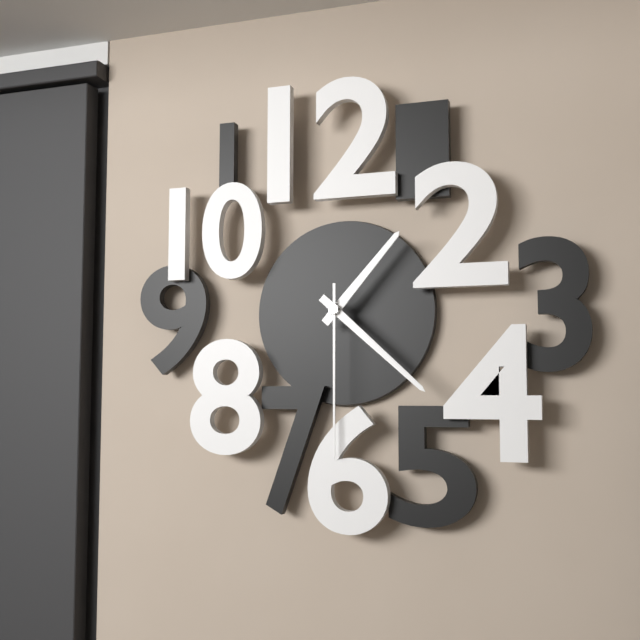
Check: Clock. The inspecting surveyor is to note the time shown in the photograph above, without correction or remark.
1:22:30
